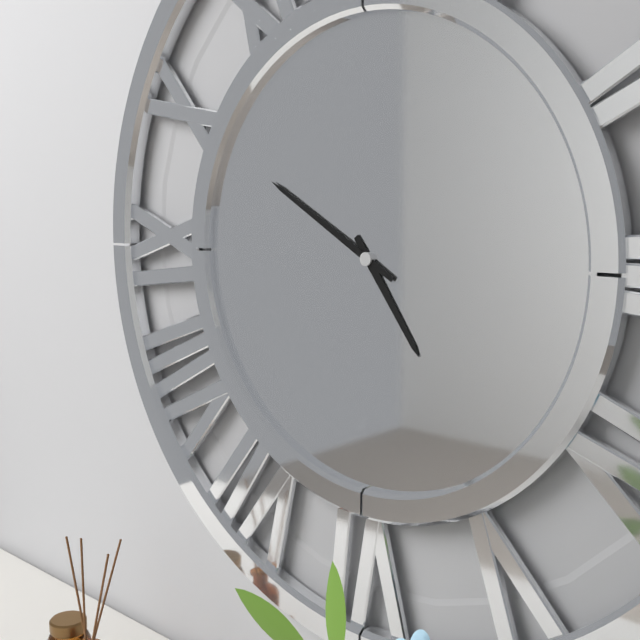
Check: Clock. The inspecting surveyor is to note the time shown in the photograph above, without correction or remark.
4:50
